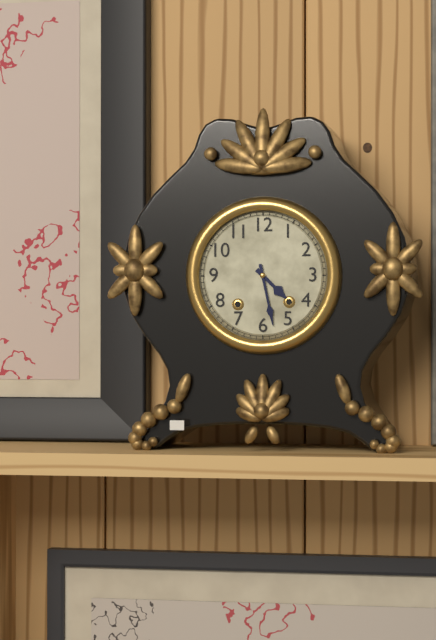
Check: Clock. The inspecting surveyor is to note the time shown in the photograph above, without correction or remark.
4:28
